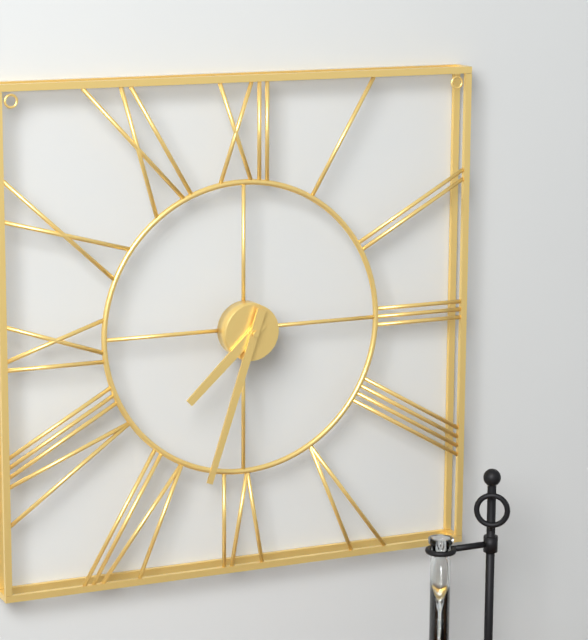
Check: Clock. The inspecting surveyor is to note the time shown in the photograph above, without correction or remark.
7:33
